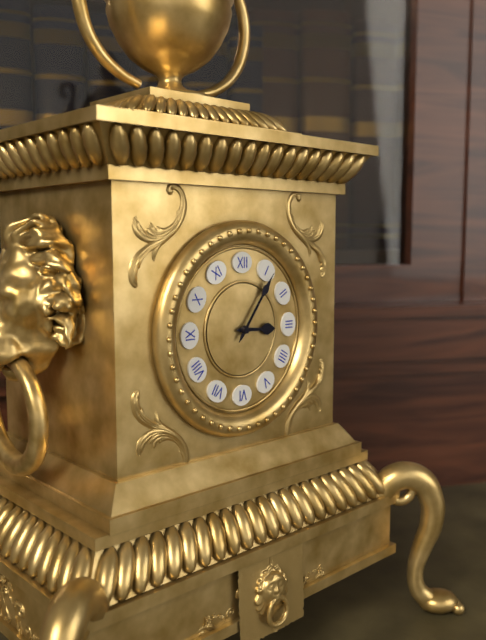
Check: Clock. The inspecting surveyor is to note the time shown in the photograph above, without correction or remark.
3:06
